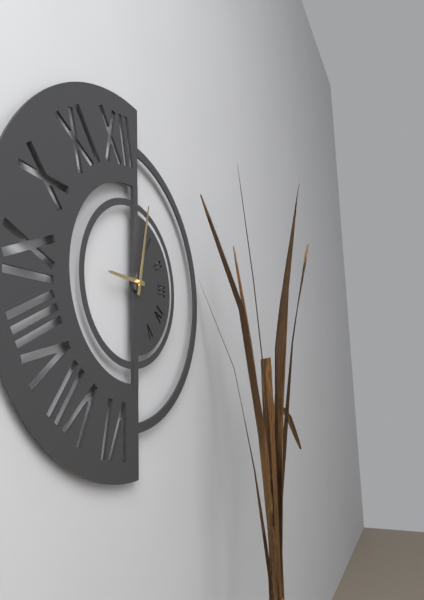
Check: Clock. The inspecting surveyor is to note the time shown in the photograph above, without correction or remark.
9:02
